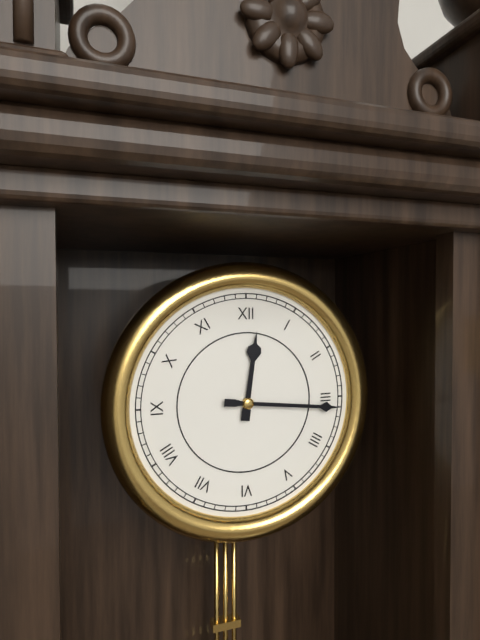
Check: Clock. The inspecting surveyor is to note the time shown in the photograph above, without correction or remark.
12:16
